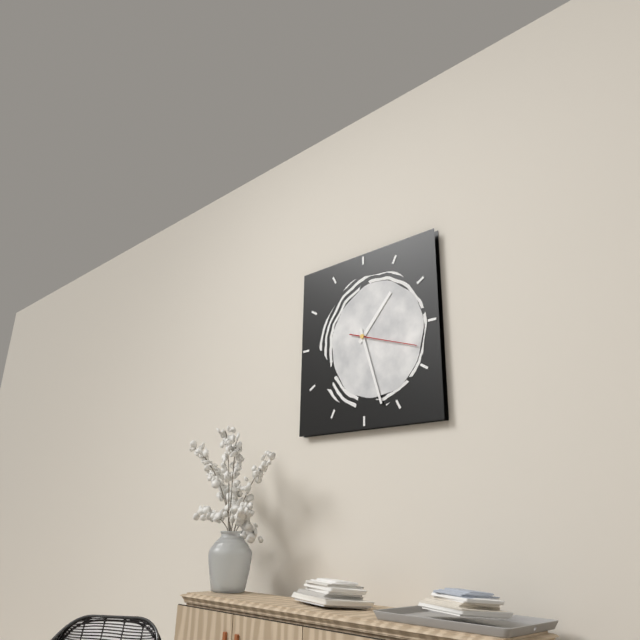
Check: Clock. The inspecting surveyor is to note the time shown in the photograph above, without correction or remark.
1:27:18
